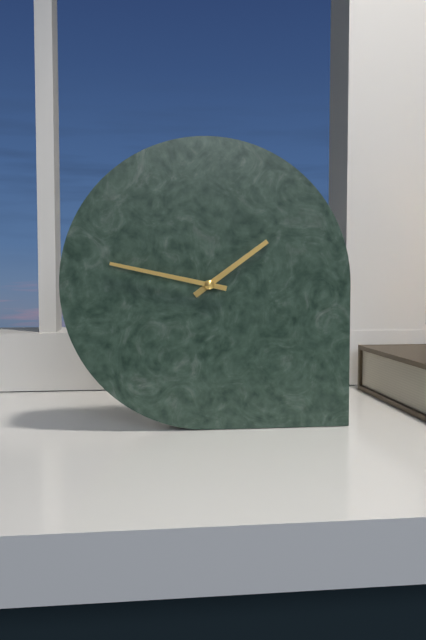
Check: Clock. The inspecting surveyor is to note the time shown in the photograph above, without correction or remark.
1:47
